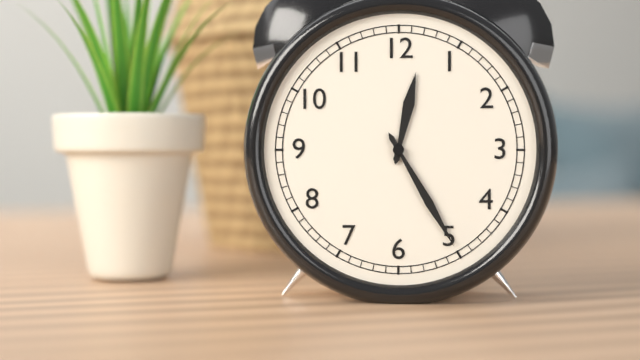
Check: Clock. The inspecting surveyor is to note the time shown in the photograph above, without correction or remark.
12:25
